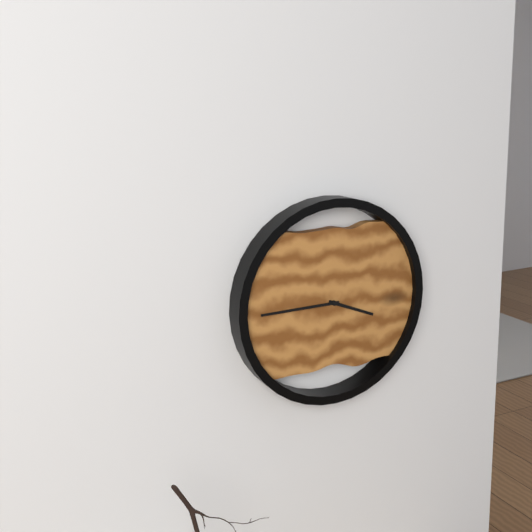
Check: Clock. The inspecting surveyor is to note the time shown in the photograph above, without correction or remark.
3:45
